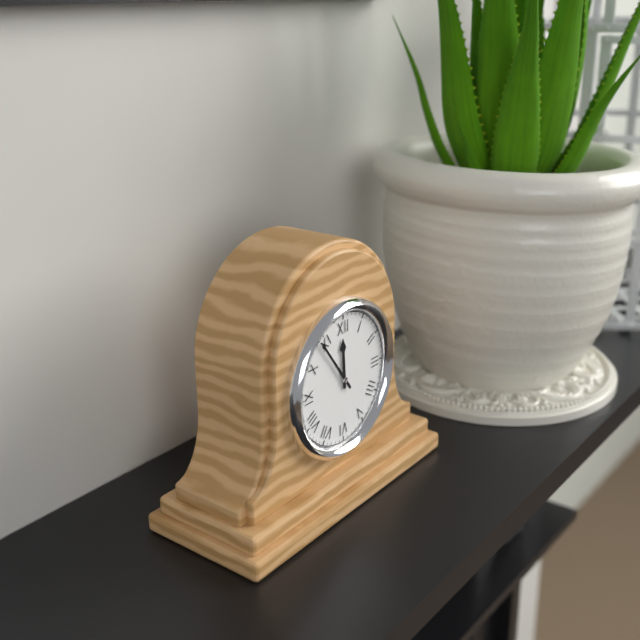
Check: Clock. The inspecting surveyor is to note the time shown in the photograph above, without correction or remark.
11:54
